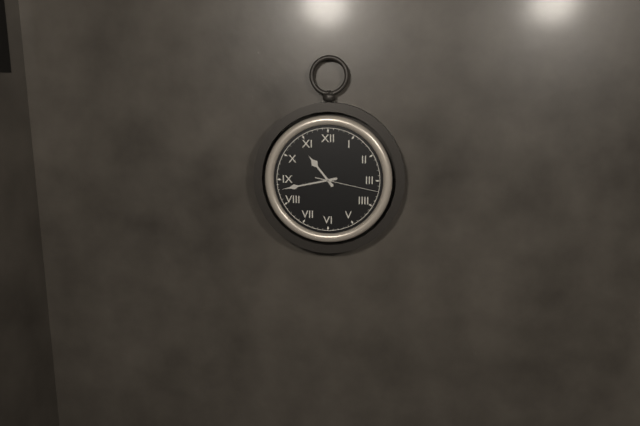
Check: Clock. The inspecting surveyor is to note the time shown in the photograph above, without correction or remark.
10:43:17
